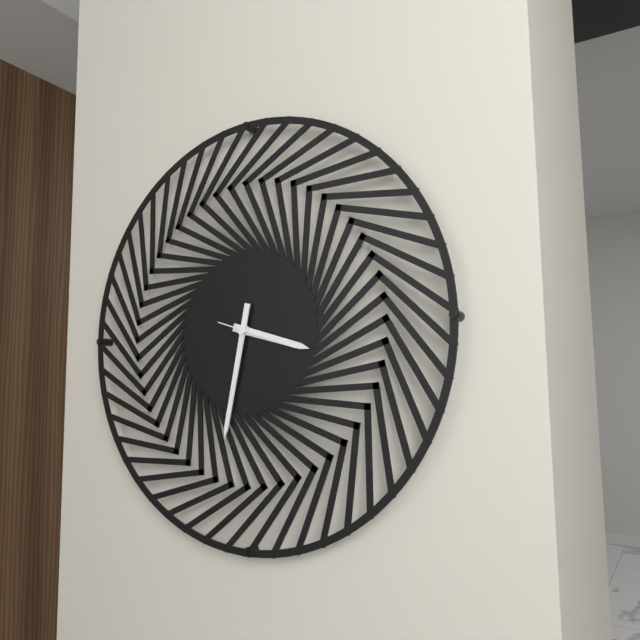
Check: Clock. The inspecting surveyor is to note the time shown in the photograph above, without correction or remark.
3:32:18
